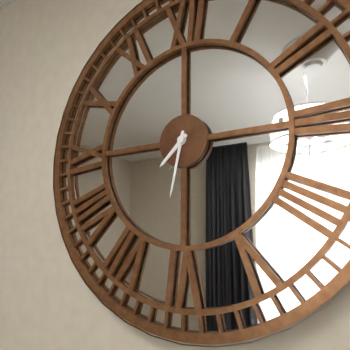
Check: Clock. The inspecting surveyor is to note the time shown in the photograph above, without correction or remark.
7:32
